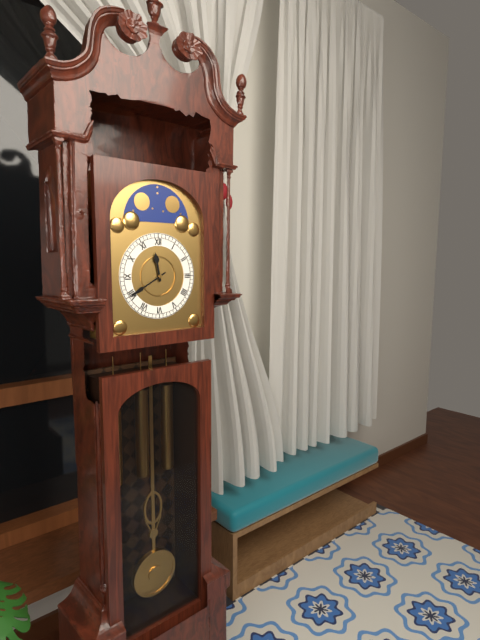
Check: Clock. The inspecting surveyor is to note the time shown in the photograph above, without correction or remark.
11:40
